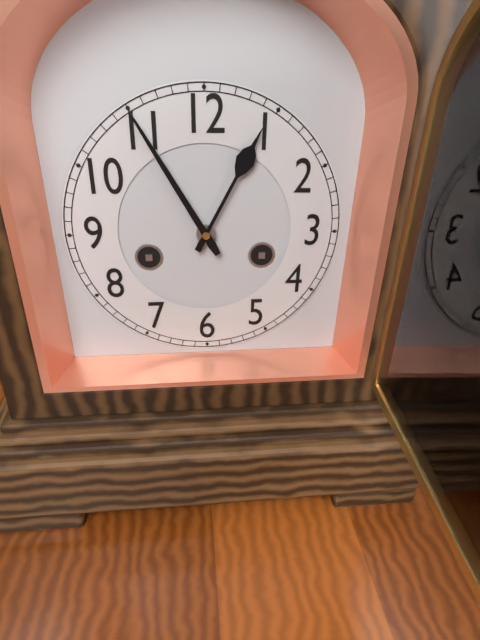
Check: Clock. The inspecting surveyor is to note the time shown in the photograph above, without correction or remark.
12:55
